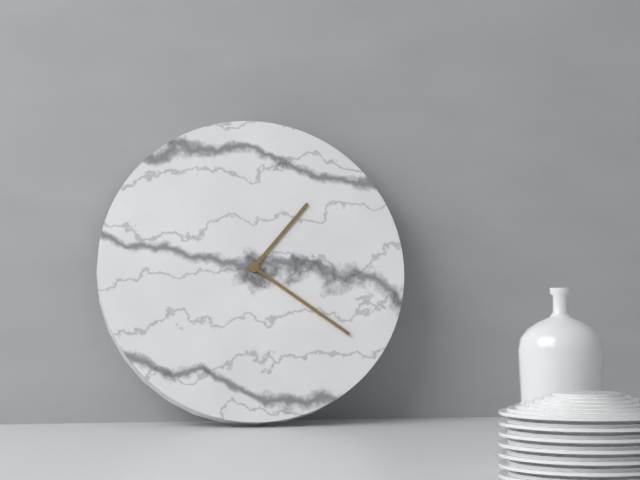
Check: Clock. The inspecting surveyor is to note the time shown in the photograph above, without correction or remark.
1:21
